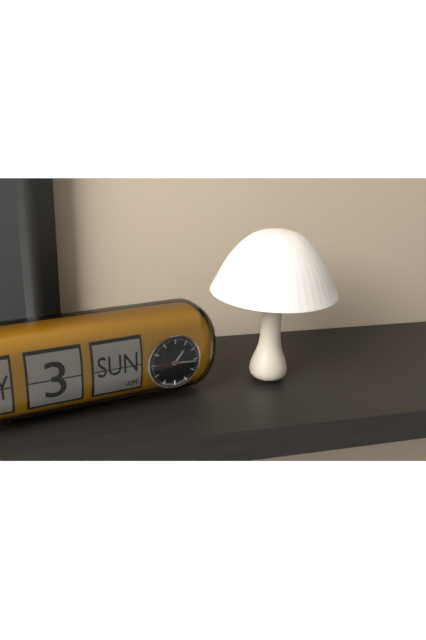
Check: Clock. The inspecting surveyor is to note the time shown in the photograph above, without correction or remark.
1:16
